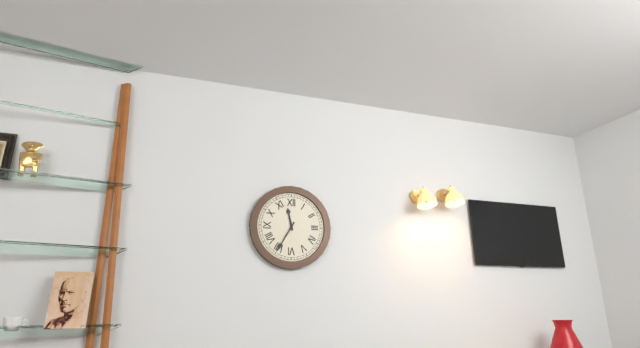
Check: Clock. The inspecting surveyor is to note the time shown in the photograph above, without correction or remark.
11:35
